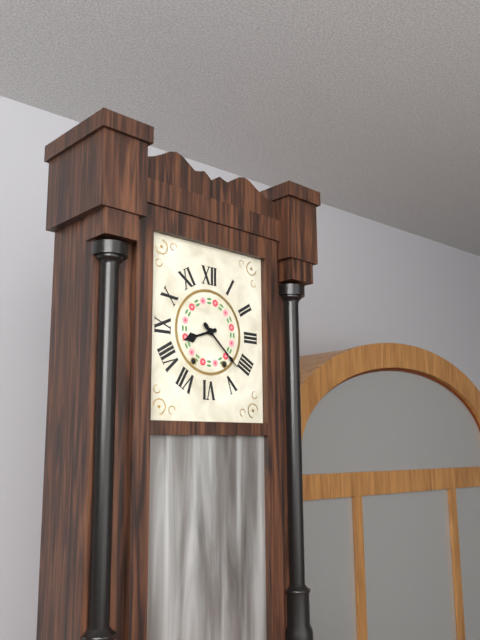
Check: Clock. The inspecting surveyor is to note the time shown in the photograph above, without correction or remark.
8:22
